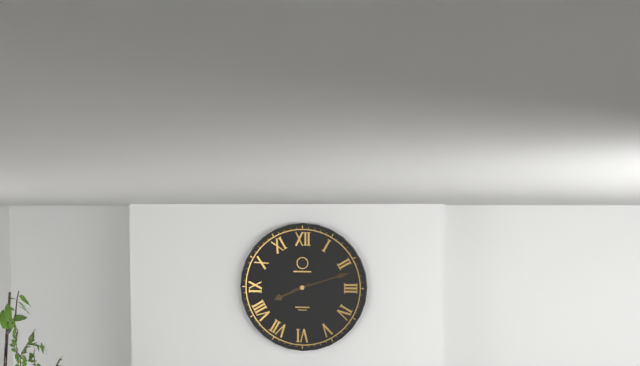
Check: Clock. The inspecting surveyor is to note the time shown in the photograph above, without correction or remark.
8:12
